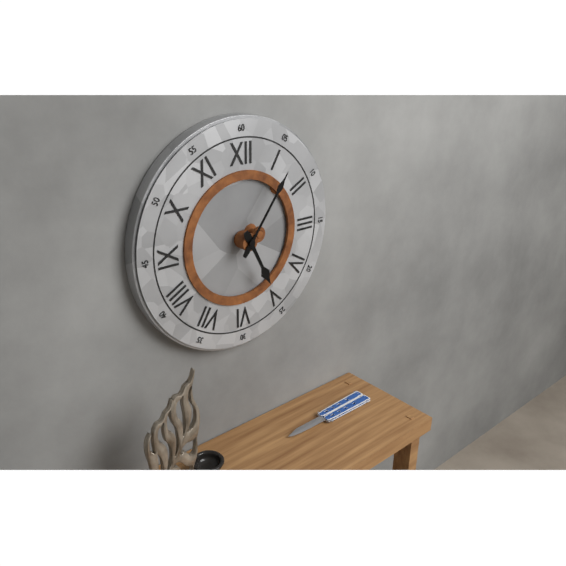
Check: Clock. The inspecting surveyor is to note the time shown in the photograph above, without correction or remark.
5:06
